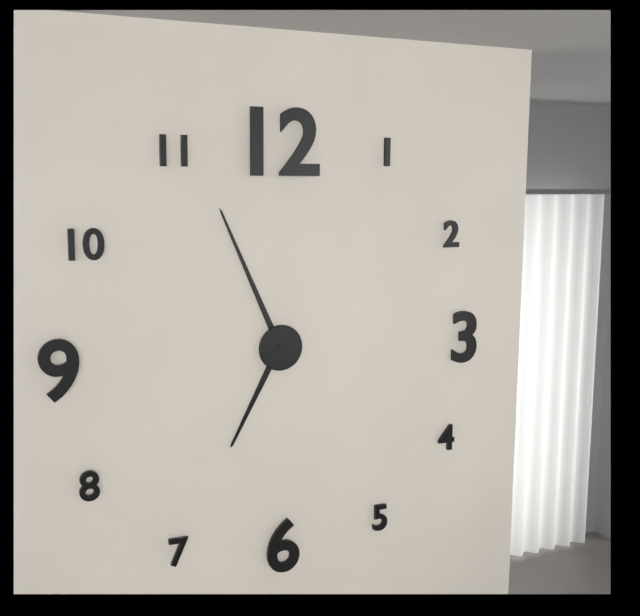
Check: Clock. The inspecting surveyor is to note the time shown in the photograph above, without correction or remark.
6:56
